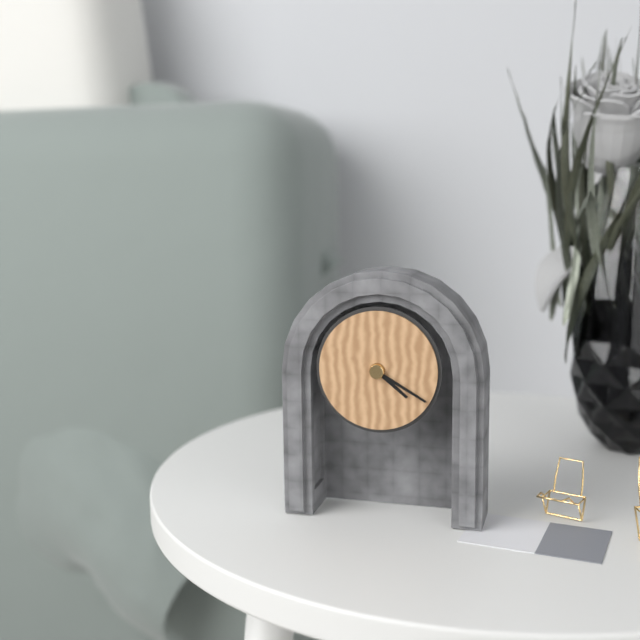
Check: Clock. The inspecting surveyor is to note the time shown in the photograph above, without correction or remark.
4:20
